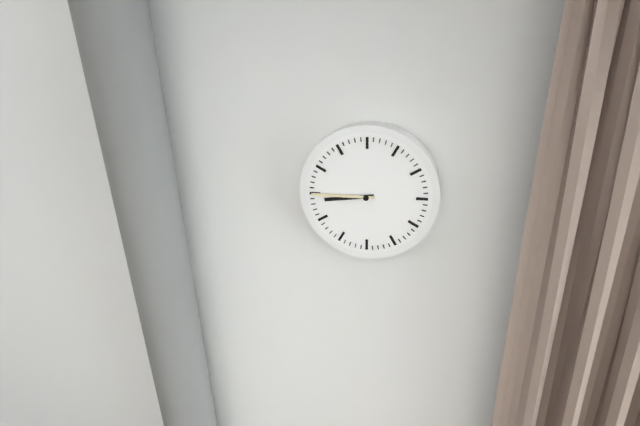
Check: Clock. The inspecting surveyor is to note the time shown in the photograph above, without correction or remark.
8:45
